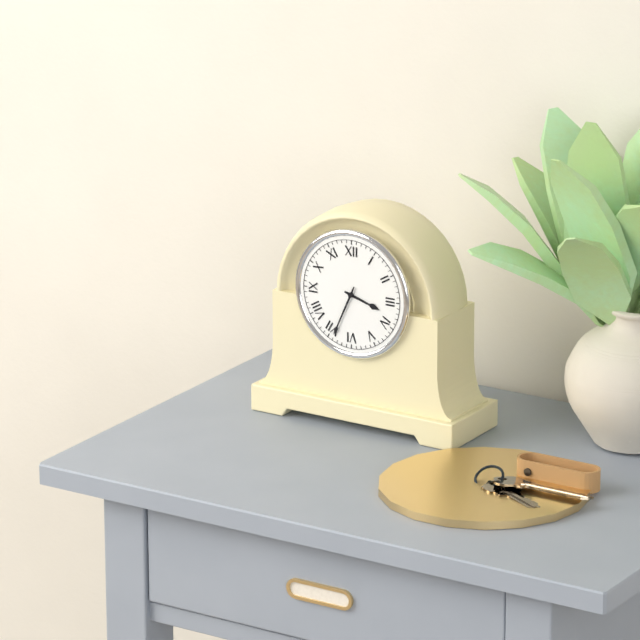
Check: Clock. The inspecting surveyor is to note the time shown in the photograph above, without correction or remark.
3:34
